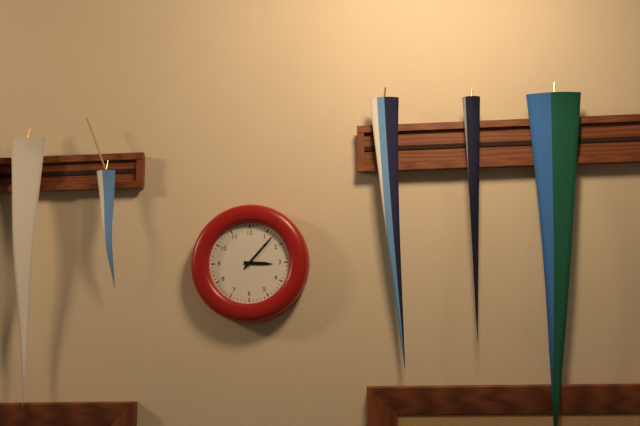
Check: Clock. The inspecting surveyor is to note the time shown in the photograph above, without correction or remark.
3:07
